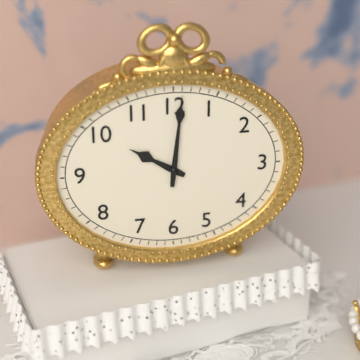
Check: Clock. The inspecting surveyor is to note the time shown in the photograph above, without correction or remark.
10:01
